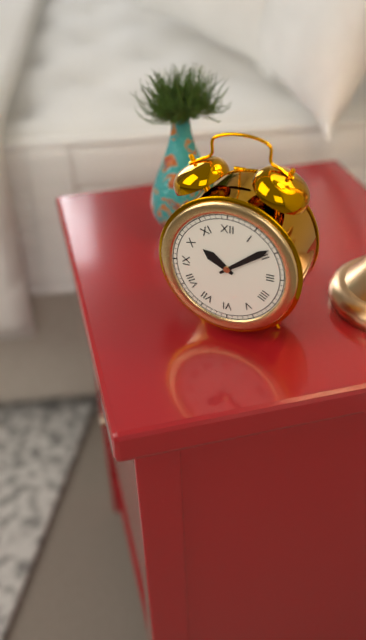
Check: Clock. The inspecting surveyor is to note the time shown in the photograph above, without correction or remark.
10:09
